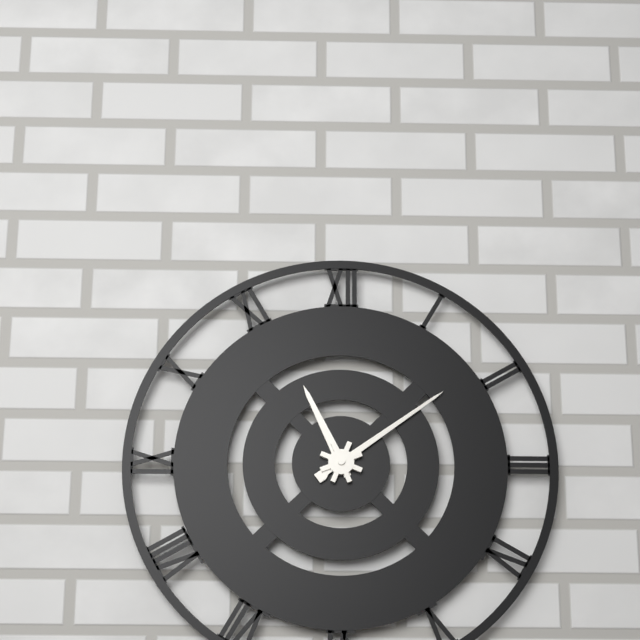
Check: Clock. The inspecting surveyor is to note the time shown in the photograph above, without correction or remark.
11:09
